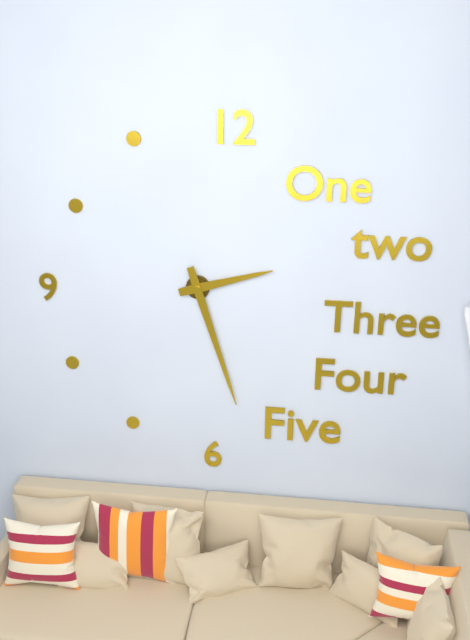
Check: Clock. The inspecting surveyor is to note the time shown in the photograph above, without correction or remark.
2:27
